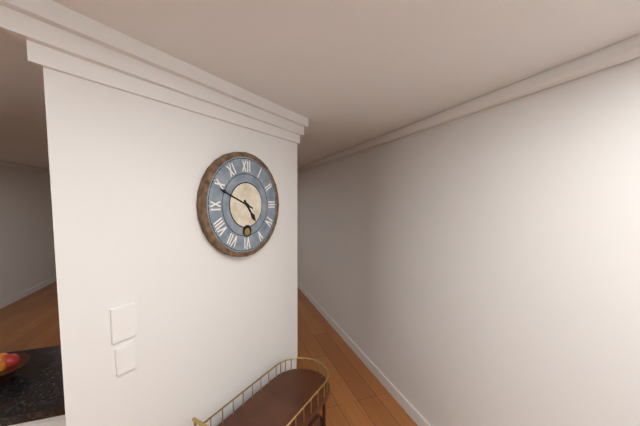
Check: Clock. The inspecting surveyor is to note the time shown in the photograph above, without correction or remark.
4:49
